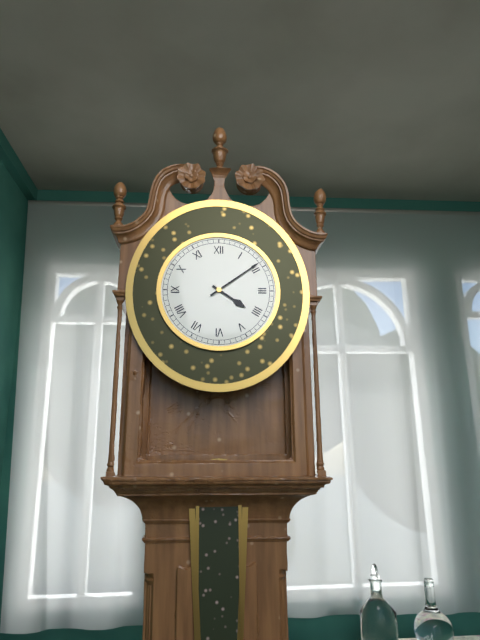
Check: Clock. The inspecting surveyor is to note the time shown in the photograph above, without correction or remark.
4:09
